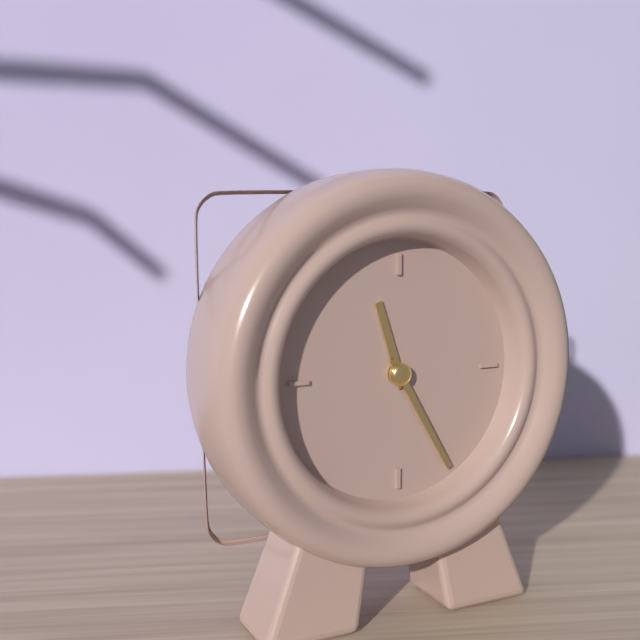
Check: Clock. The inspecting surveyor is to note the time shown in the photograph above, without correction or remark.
11:25
